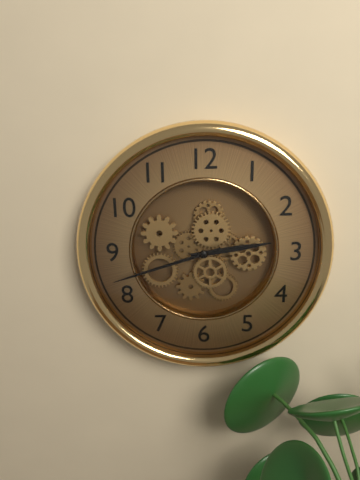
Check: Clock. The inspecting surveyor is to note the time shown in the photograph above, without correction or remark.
2:42
